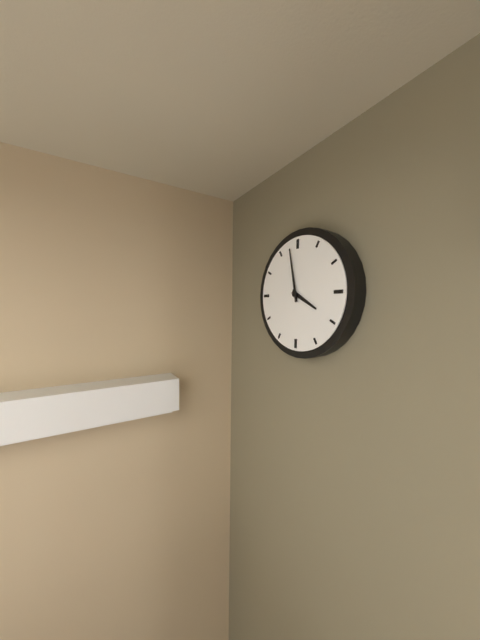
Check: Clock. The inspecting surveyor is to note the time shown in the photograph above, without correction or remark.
3:58
